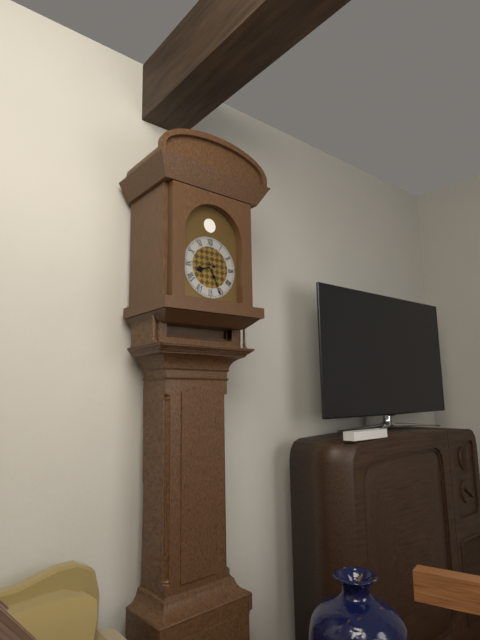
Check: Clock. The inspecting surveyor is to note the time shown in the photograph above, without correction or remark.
8:26
